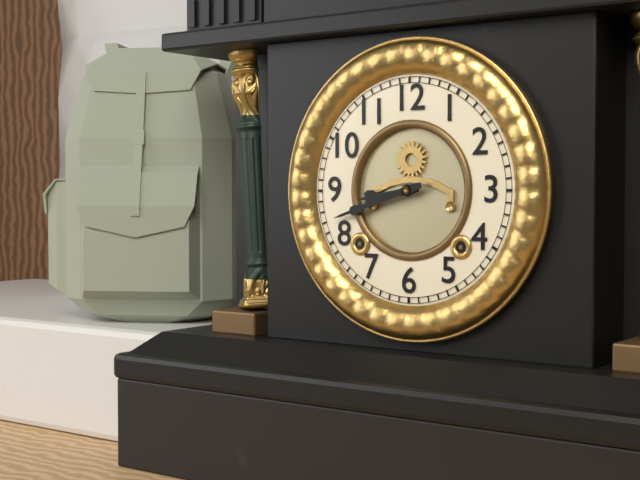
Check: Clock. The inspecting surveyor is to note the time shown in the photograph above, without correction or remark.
8:42
